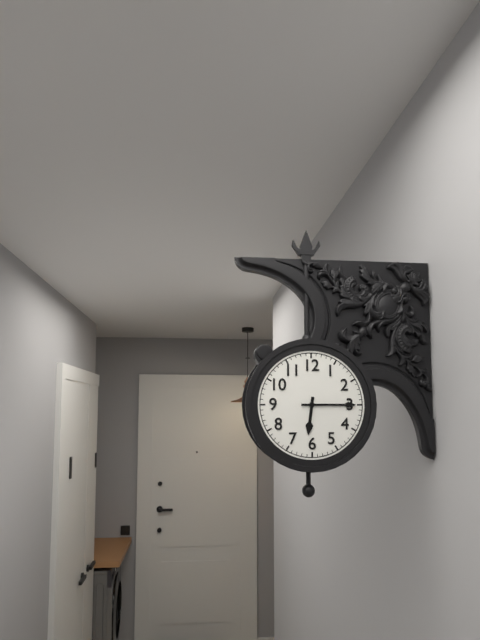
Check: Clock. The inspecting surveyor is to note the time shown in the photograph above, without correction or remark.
6:15
